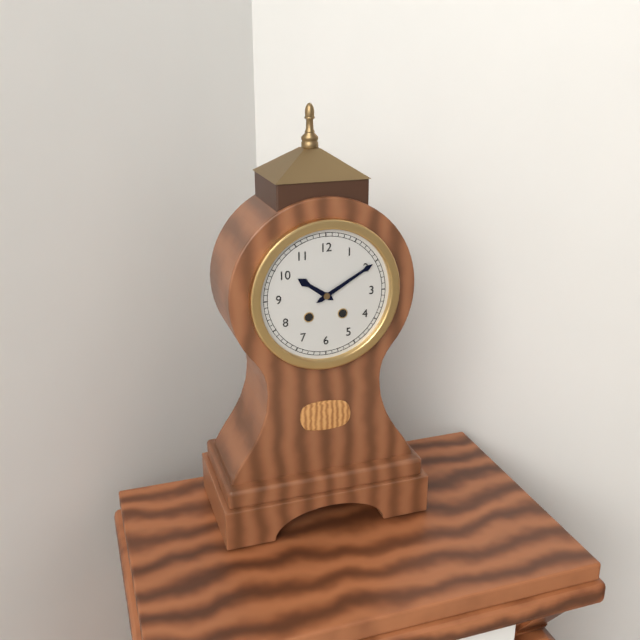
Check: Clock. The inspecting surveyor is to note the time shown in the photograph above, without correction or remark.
10:10
